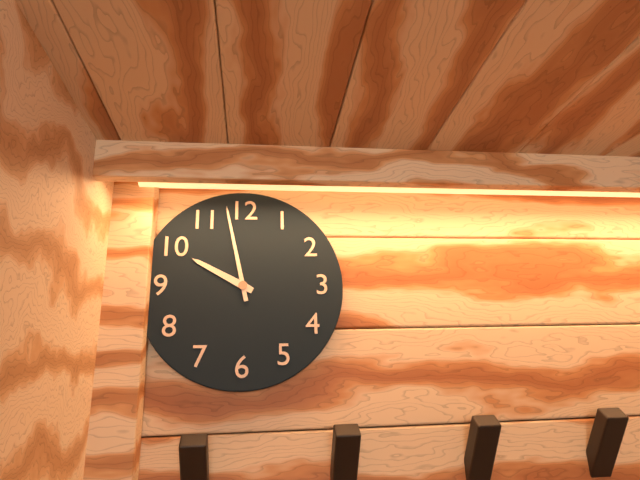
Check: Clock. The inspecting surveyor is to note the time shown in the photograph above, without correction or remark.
9:58
